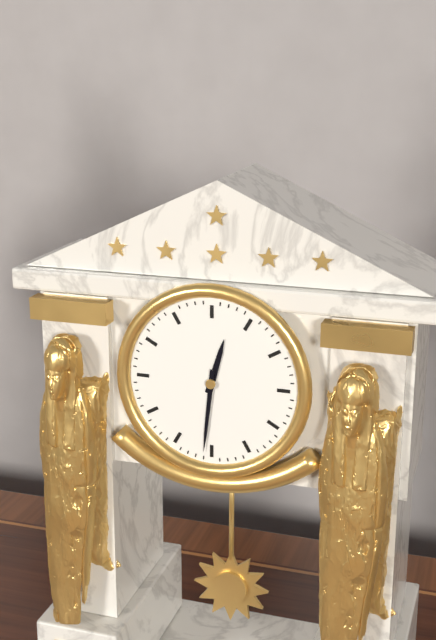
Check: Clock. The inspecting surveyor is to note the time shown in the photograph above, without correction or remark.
12:31
